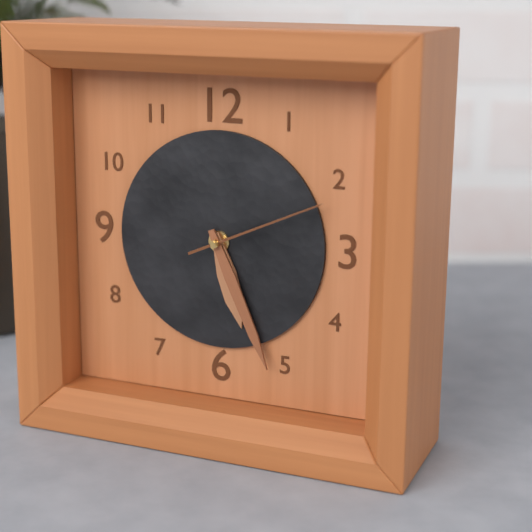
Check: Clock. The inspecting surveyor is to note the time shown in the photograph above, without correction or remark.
5:26:11
